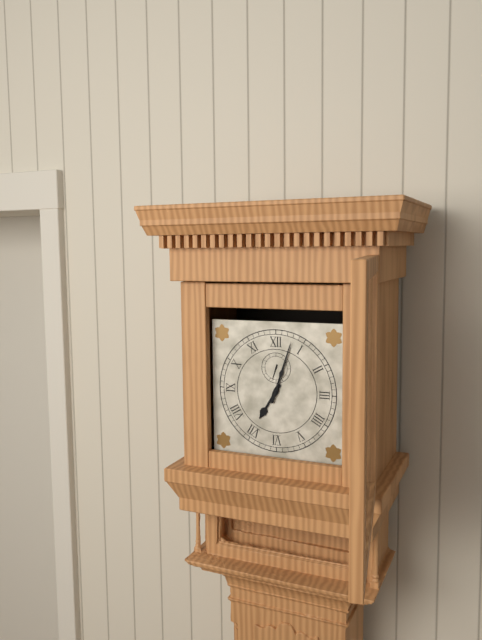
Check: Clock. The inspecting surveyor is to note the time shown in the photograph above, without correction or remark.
7:03
